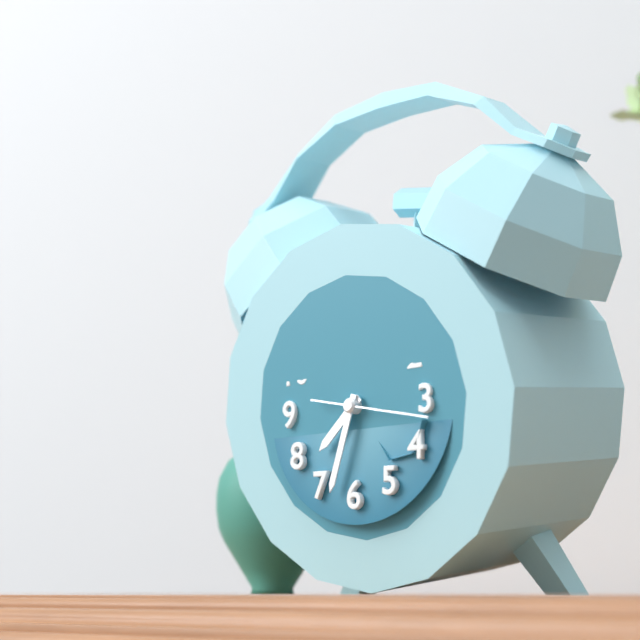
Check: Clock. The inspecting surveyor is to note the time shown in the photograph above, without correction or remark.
7:33:17
